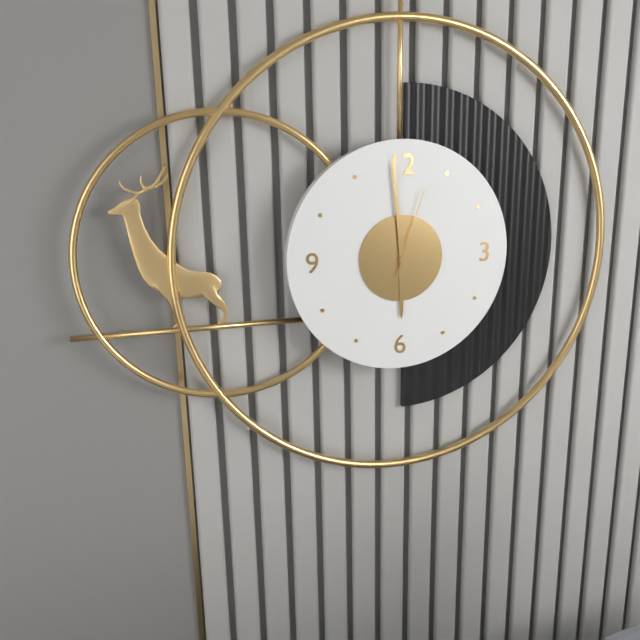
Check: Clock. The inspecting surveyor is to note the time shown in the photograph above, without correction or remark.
5:59:03
